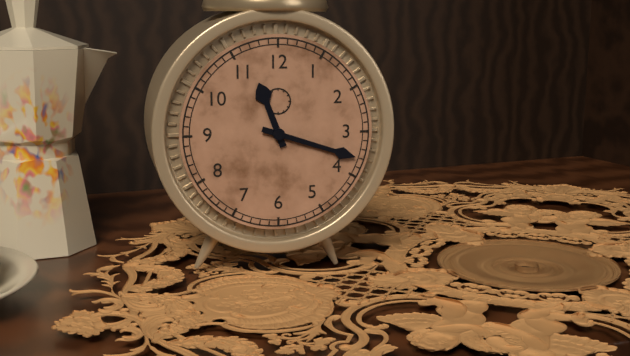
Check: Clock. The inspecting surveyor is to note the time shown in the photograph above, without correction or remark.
11:18
